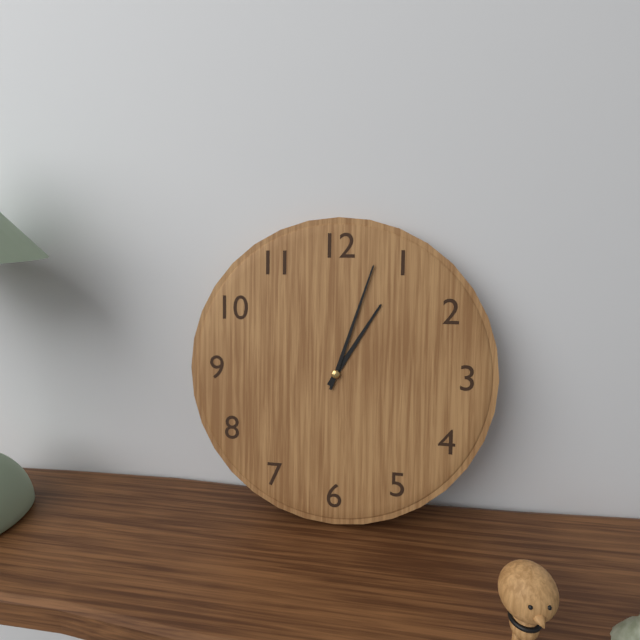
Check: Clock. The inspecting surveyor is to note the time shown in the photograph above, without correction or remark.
1:03
